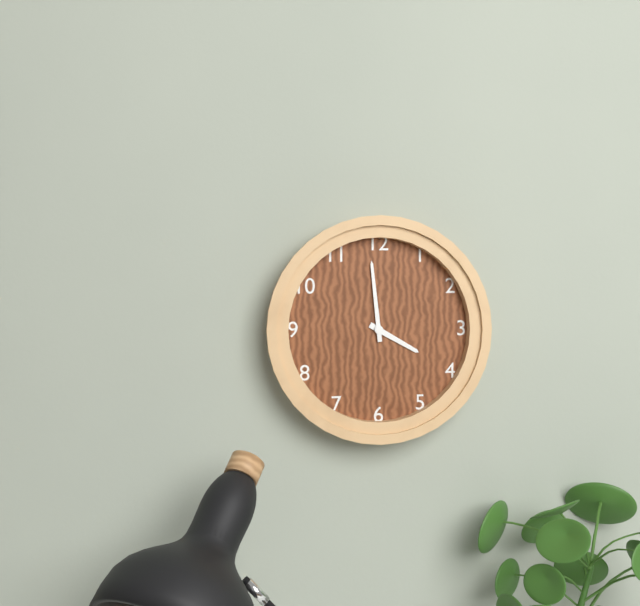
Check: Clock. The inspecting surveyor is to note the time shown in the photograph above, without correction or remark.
3:59
